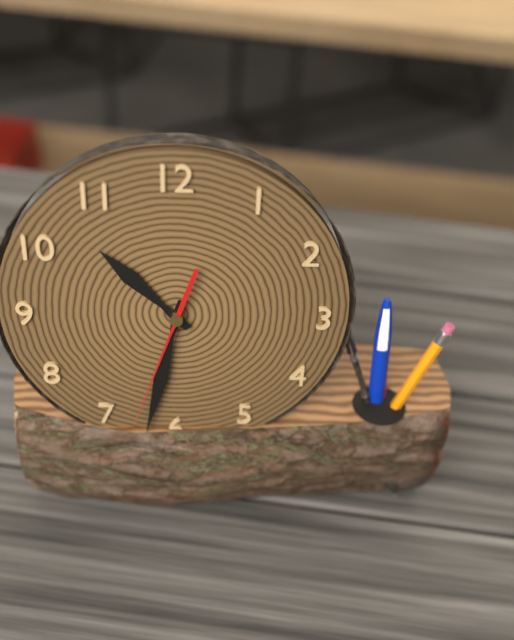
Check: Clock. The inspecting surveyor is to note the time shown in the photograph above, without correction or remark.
10:32:33
